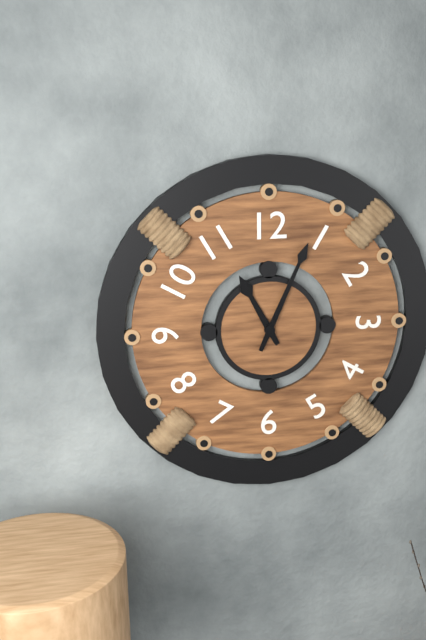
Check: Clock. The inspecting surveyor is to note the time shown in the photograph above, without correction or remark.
11:04
